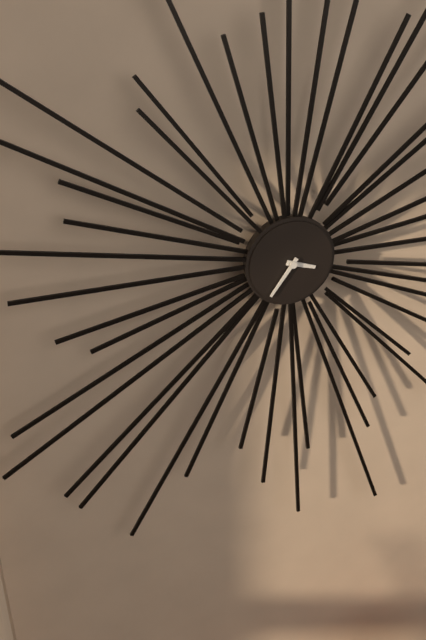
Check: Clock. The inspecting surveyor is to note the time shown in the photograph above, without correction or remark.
3:36
